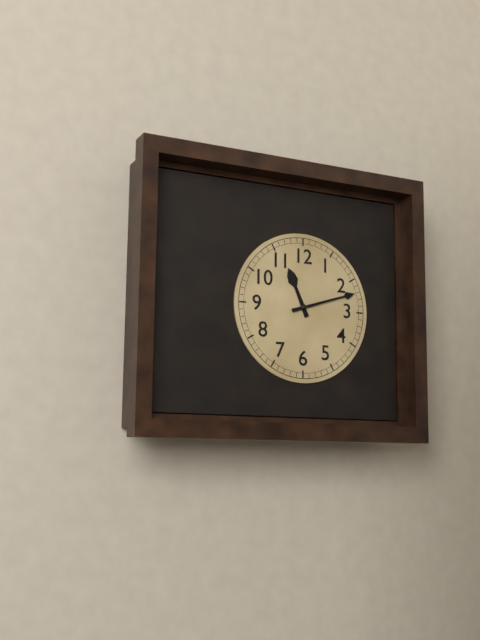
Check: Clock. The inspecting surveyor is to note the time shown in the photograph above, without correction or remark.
11:12
